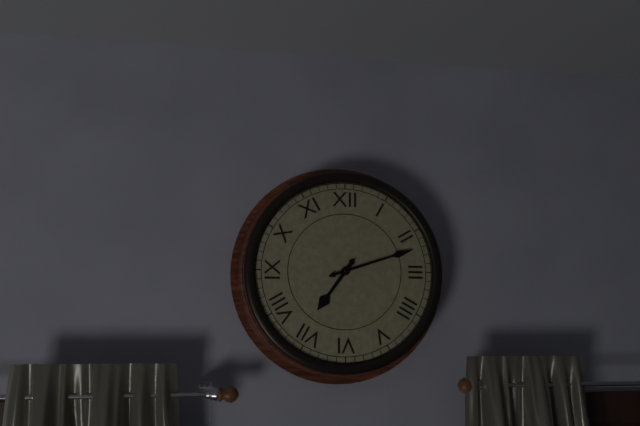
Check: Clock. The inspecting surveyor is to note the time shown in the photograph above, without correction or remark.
7:12
